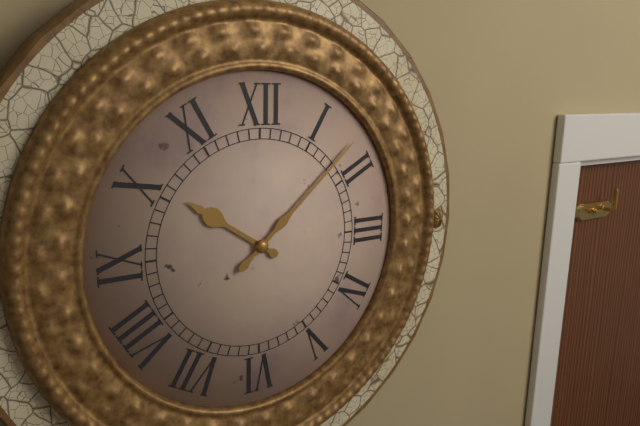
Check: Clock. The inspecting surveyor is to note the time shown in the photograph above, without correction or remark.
10:08
